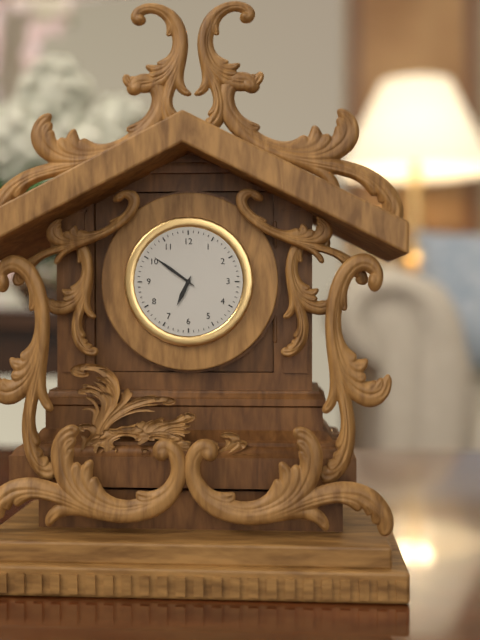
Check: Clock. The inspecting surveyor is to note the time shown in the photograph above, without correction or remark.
6:51
